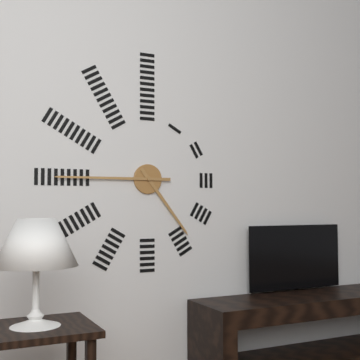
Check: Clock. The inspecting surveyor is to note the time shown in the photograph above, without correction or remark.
4:45
